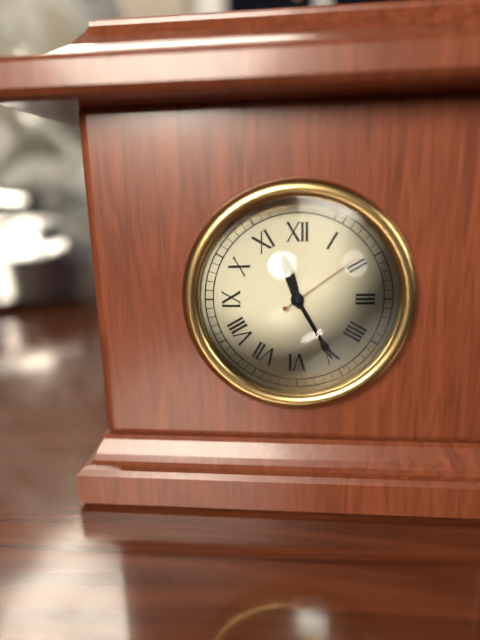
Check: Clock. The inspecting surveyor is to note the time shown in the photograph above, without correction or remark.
11:25:09
